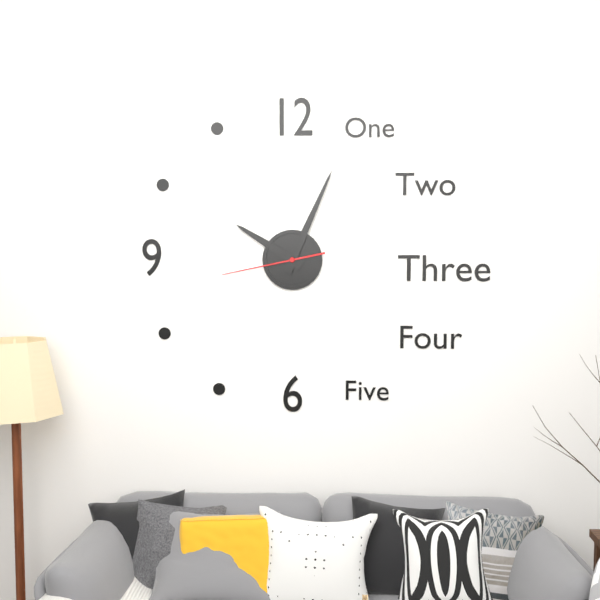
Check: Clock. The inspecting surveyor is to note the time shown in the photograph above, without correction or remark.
10:04:43
